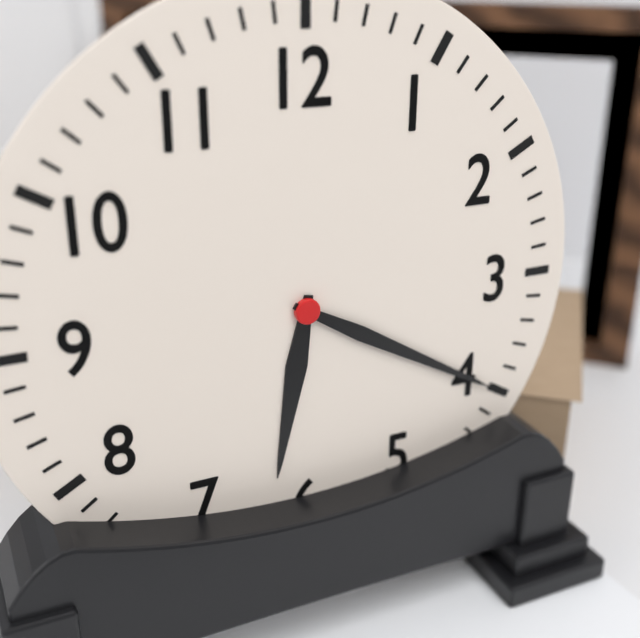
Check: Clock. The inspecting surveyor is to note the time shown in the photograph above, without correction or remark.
6:20
